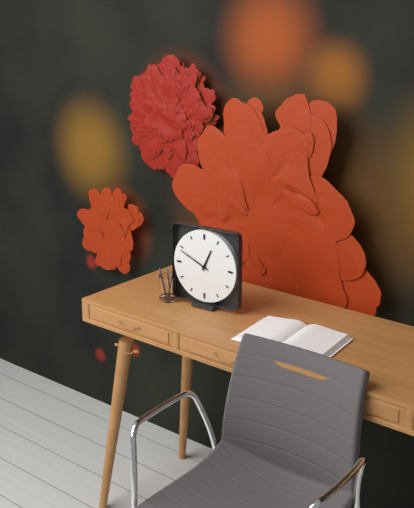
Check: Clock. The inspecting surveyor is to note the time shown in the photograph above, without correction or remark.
12:49
